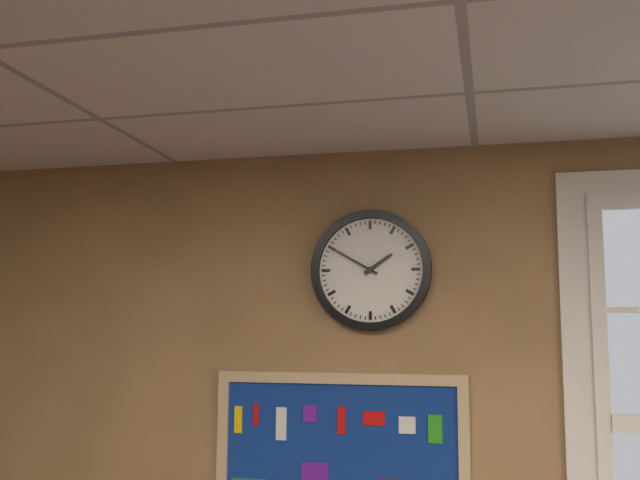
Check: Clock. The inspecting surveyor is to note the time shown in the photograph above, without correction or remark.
1:50
